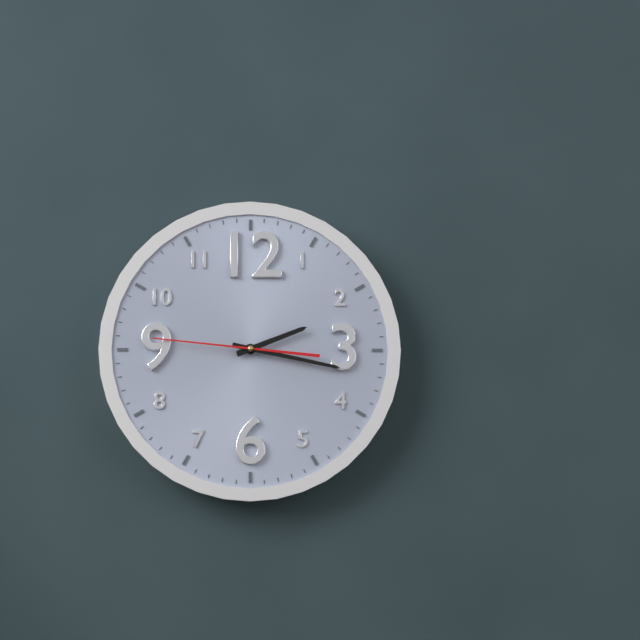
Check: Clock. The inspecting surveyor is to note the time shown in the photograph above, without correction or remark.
2:17:46
